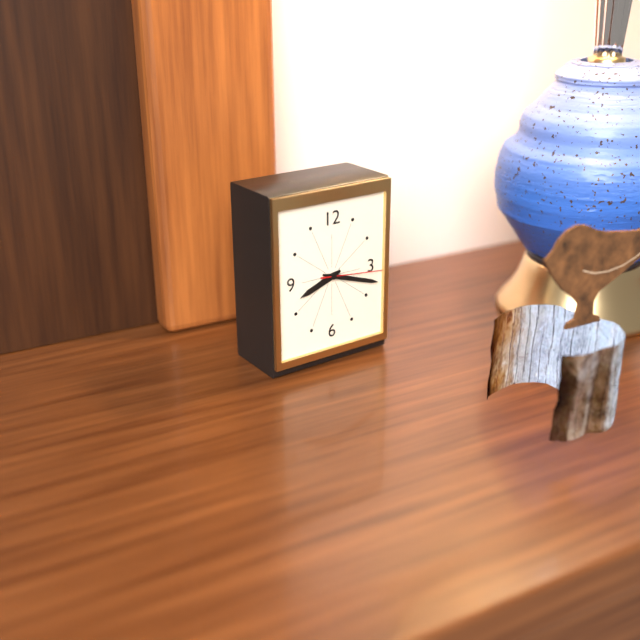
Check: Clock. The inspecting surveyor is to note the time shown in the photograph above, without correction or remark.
8:18:16
